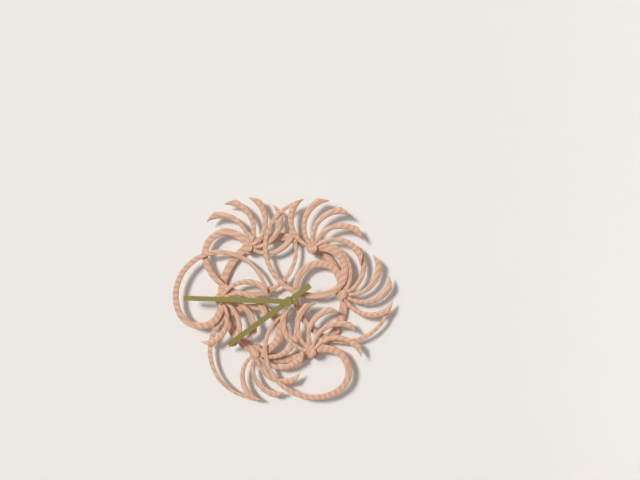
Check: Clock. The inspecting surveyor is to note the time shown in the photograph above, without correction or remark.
7:45
